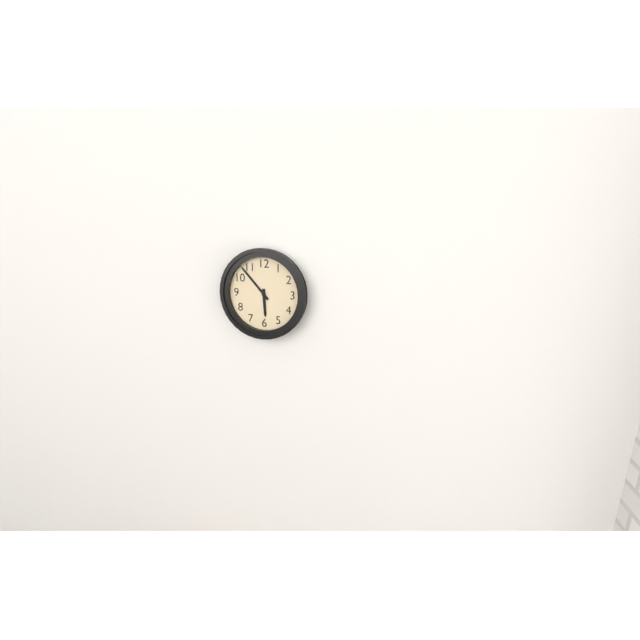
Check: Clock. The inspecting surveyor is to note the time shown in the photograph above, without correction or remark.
5:53
